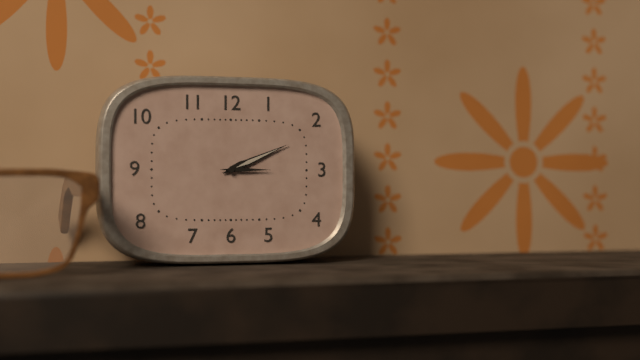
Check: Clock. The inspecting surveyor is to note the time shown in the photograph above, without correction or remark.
2:11:15
